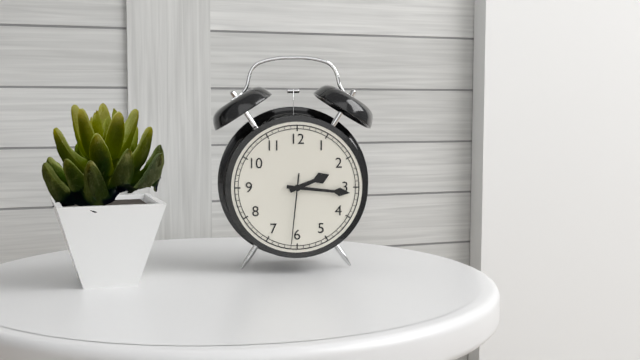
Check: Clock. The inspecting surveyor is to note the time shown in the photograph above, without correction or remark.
2:16:31
